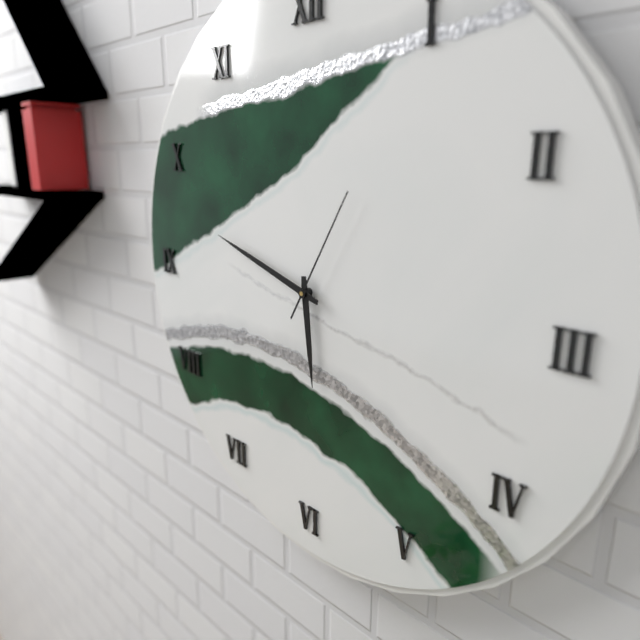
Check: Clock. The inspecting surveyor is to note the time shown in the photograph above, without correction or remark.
5:48:05
